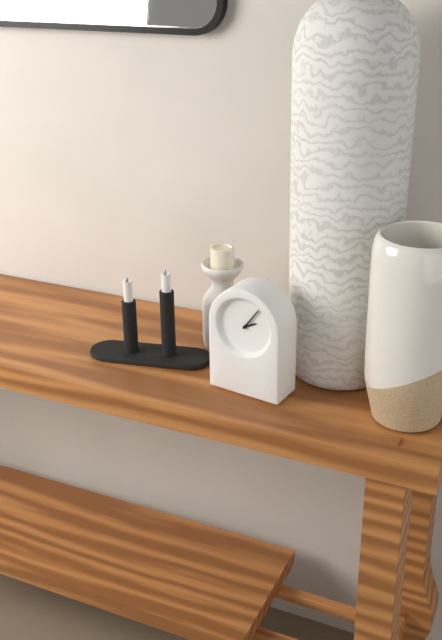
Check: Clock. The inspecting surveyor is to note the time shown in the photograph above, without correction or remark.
2:06
